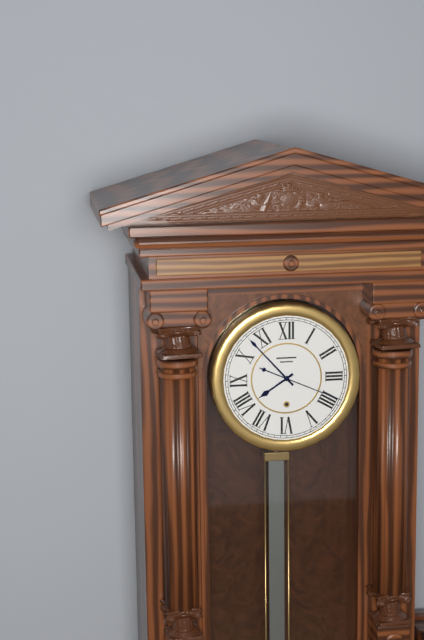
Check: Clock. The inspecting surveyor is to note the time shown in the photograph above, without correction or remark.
7:53:19
